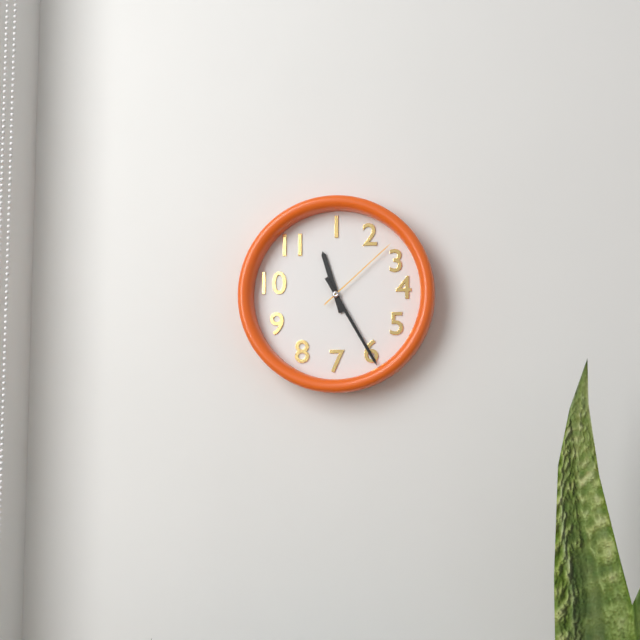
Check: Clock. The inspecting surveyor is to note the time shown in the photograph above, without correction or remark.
11:25:08
